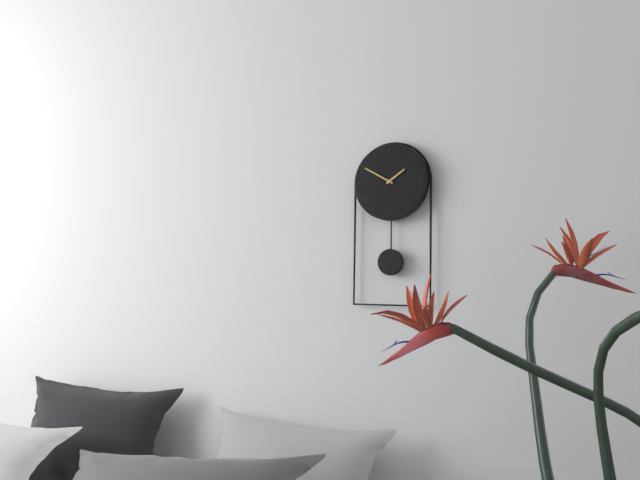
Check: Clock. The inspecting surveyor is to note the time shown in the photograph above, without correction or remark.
1:50
